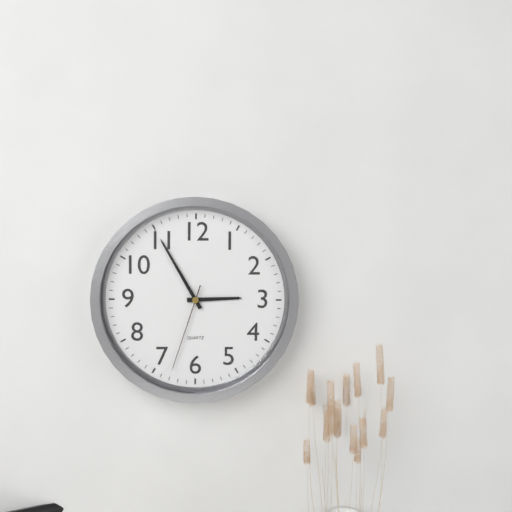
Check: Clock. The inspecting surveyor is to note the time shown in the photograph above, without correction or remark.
2:55:33
